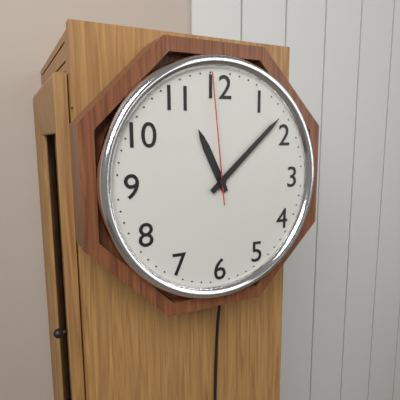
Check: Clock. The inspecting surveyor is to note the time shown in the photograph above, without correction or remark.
11:08:59
